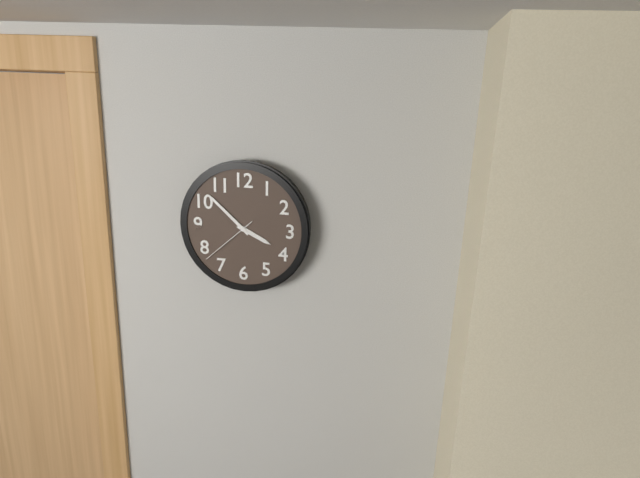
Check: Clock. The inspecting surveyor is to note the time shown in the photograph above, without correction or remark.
3:52:38
